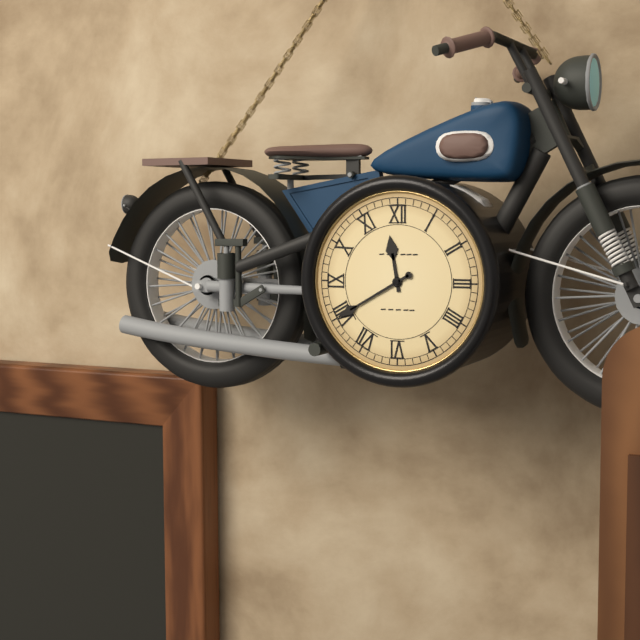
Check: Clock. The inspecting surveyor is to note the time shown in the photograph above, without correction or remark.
11:40
